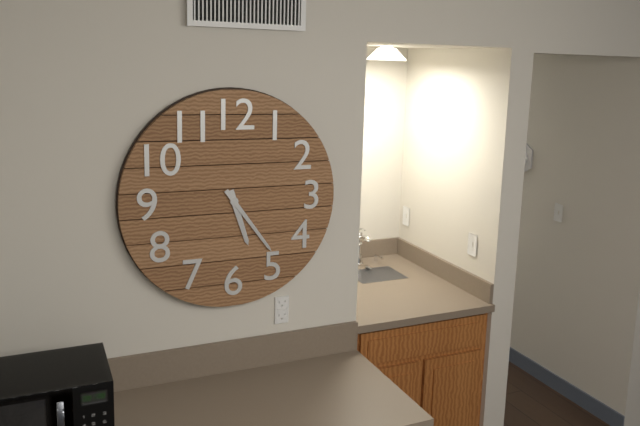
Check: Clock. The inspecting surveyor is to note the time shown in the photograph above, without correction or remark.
5:24
